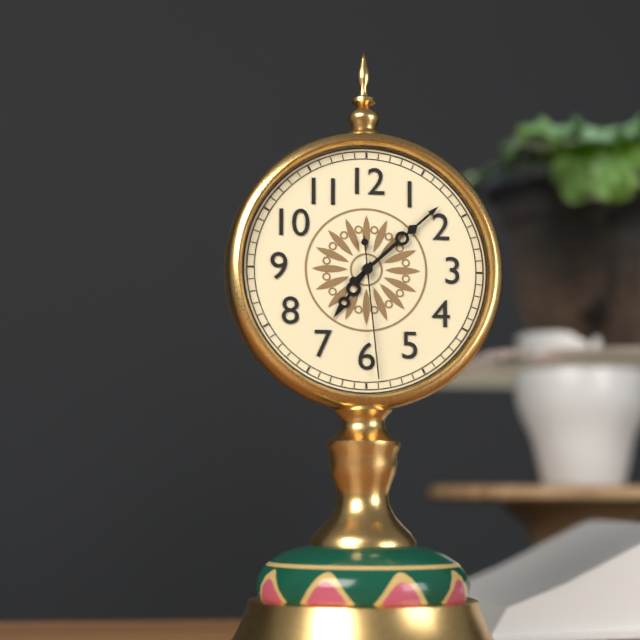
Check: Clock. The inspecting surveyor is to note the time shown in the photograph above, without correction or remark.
7:08:29
